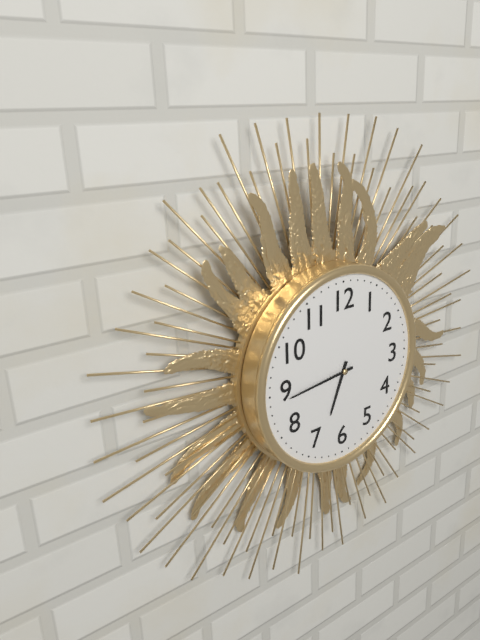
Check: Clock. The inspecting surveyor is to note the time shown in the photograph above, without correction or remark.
6:44
